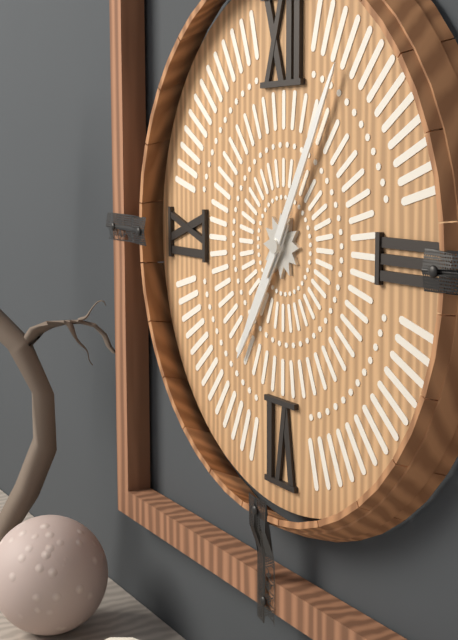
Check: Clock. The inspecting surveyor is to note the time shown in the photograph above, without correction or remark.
7:05
